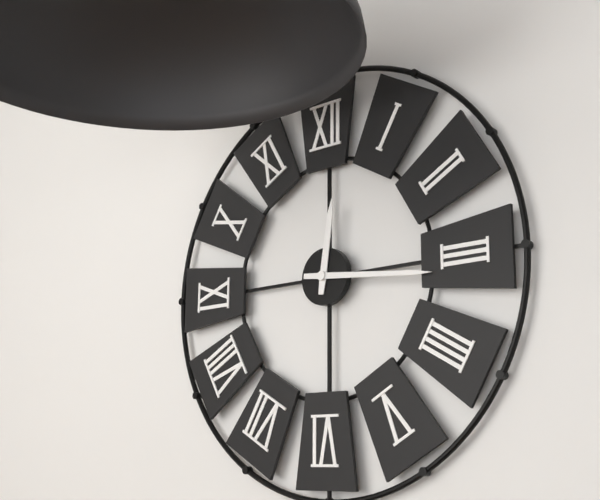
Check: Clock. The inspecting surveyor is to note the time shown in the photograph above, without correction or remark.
12:16
